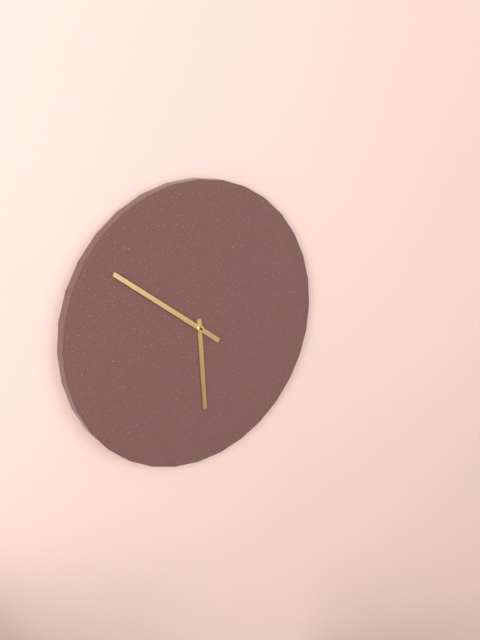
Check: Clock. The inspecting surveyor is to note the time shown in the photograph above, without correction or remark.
5:51
